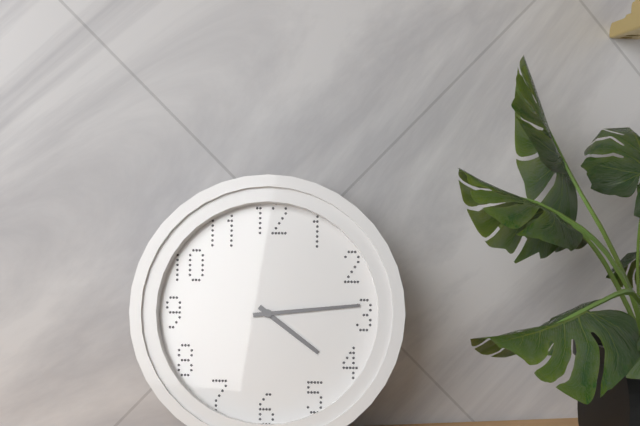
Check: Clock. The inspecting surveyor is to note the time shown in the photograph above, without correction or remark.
4:14
